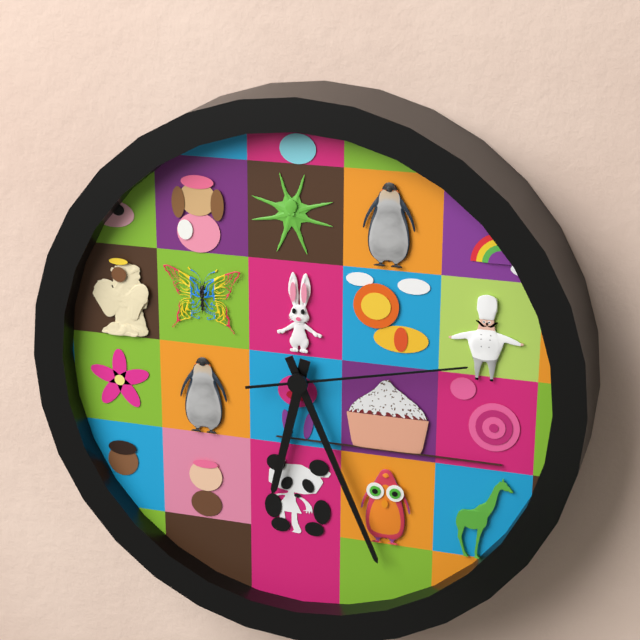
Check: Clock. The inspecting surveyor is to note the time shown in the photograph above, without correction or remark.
6:26:13
